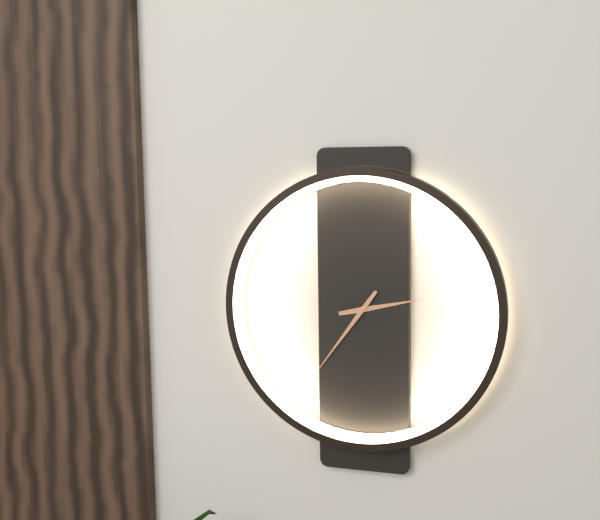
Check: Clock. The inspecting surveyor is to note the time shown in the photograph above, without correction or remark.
2:36
